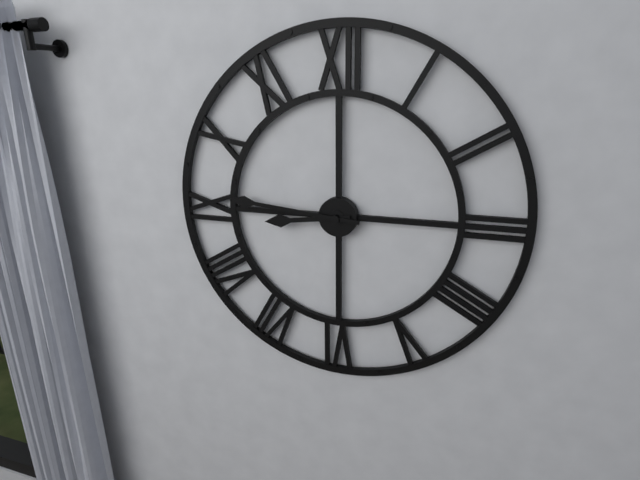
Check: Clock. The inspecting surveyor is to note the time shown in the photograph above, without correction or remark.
8:46
